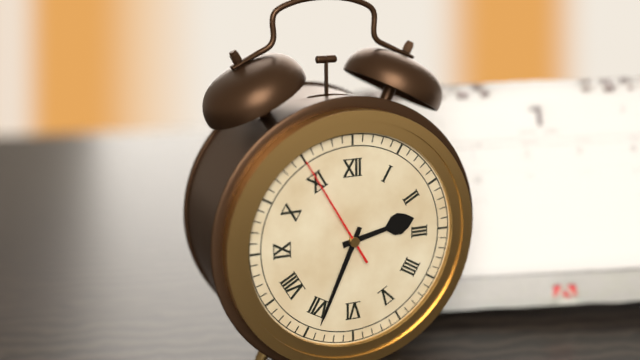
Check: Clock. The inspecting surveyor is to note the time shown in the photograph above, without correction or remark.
2:34:55
